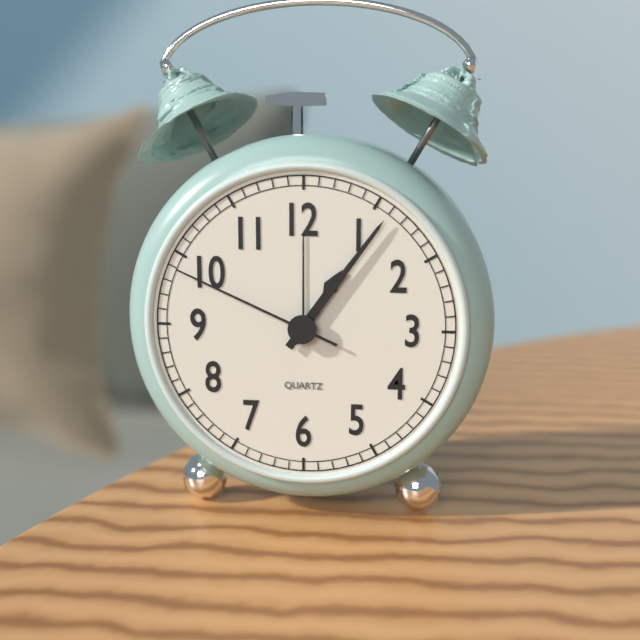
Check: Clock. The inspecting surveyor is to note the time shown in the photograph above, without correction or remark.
1:06:49
